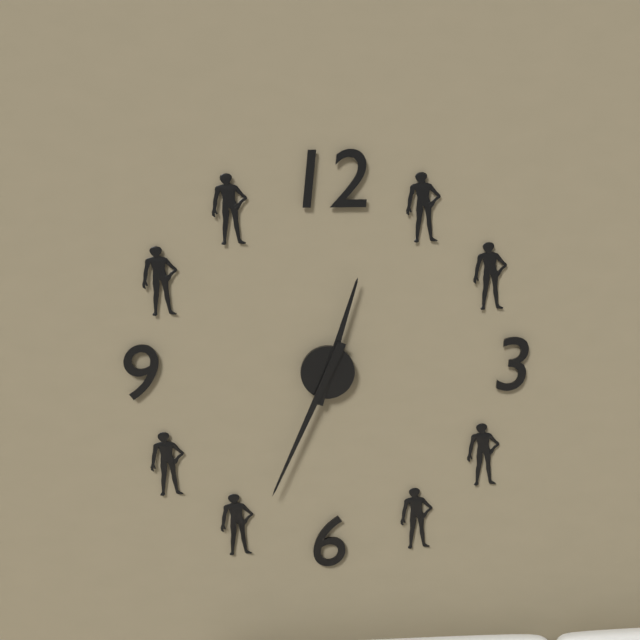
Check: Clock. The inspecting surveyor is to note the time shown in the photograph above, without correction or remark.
12:34
